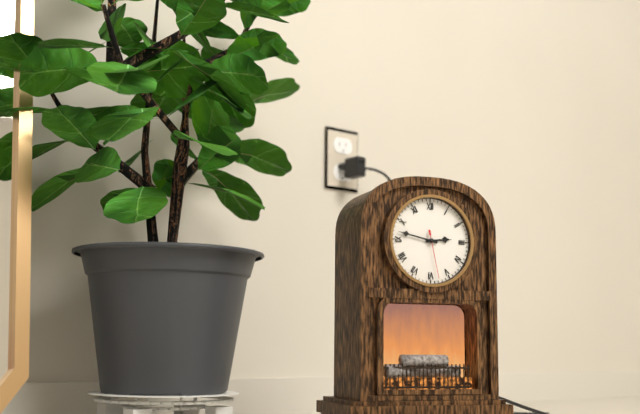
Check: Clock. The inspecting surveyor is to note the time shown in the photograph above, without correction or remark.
2:47:28
